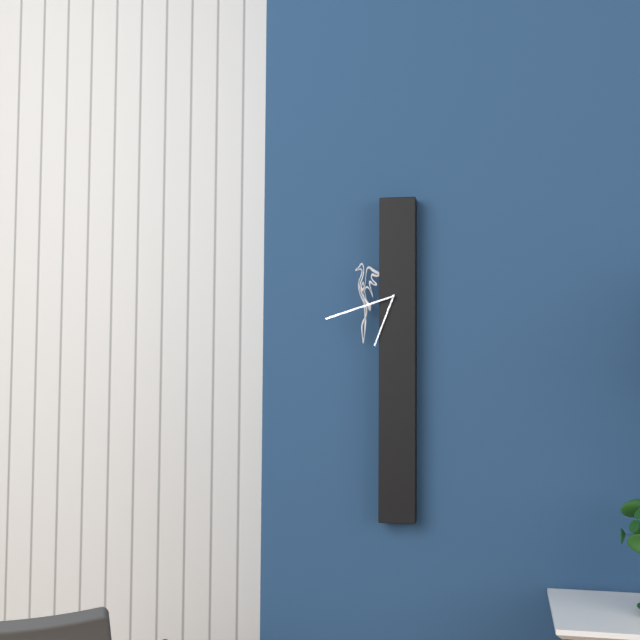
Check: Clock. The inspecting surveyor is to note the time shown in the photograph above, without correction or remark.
6:42
